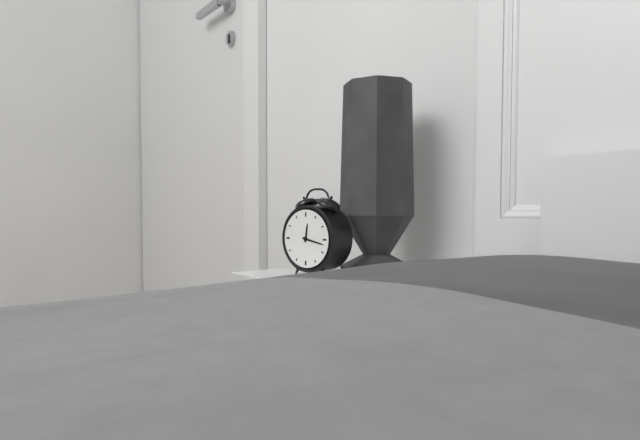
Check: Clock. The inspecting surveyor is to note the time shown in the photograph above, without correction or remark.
12:17
